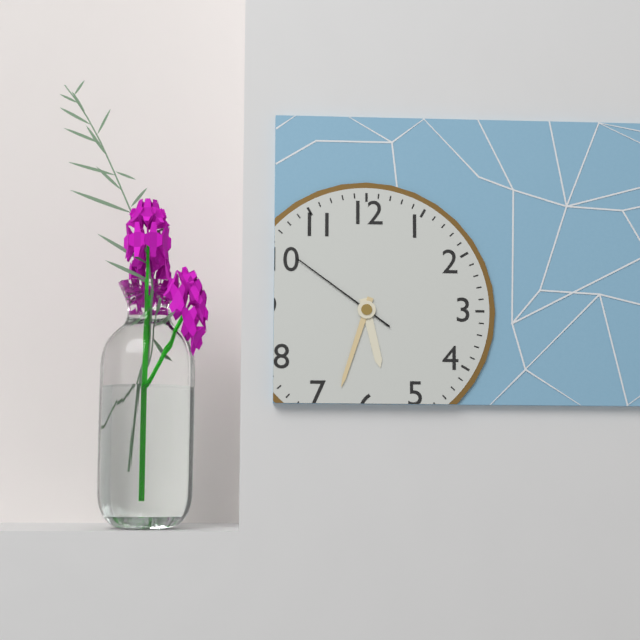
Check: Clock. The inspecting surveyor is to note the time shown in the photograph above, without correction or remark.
5:33:51
